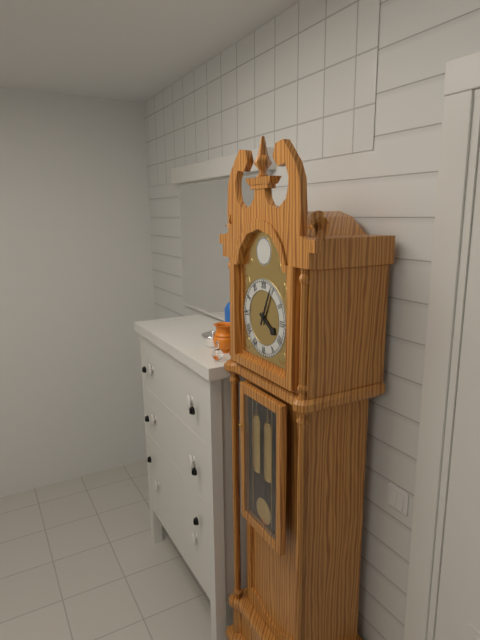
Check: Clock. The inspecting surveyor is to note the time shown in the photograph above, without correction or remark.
4:04
